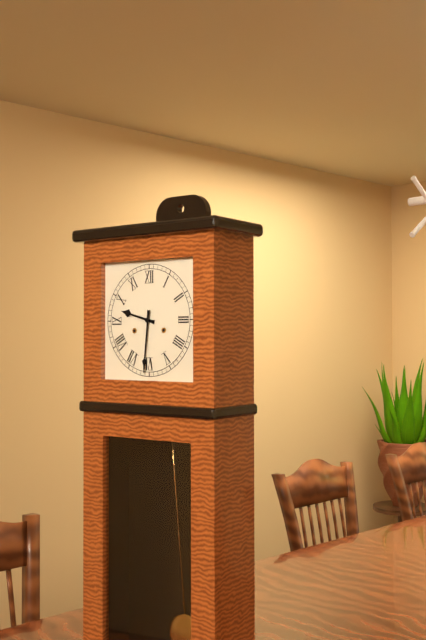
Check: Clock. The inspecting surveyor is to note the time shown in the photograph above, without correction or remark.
9:31
